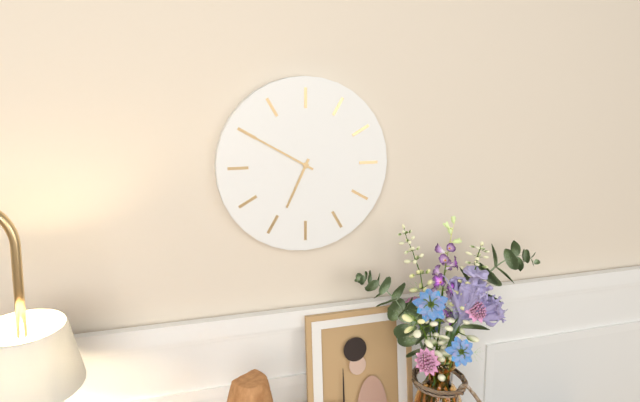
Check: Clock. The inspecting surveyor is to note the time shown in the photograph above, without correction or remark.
6:50
